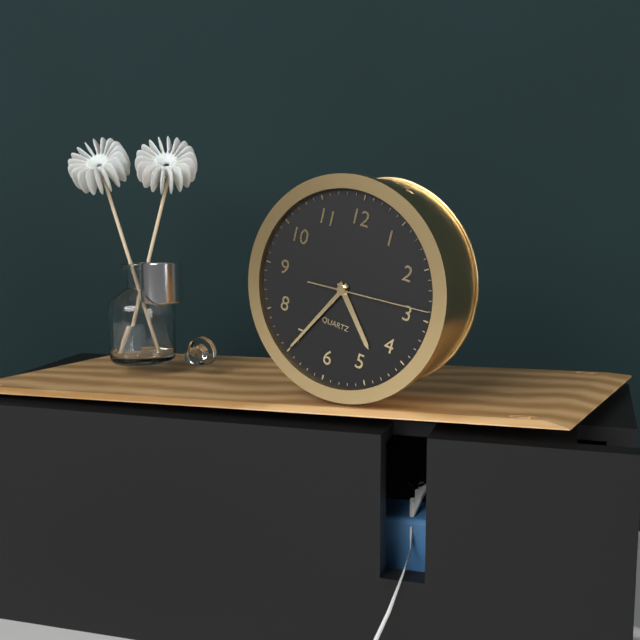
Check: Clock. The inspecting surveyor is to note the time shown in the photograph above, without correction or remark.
4:35:14
